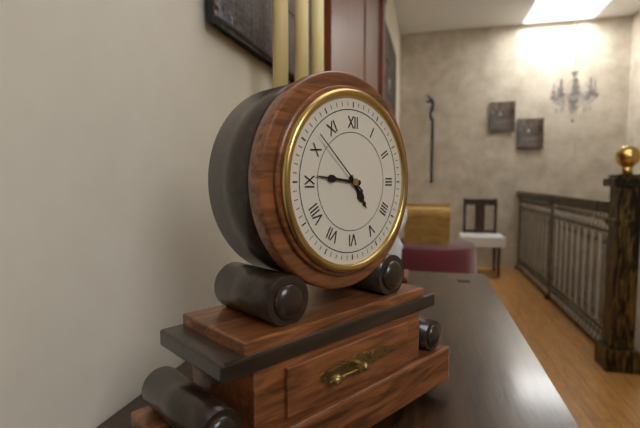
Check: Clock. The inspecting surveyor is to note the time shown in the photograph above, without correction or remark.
4:46:52
